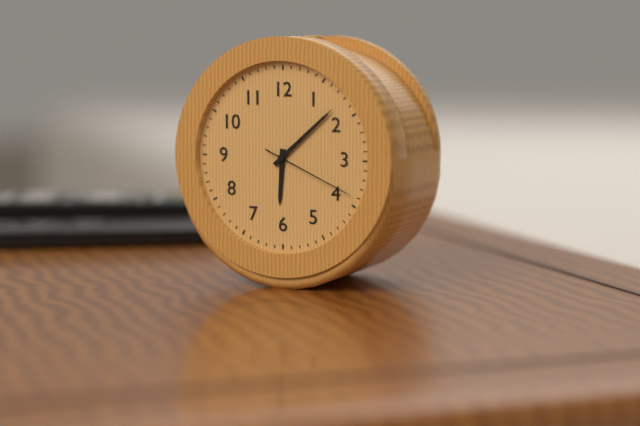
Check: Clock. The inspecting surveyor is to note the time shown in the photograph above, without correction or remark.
6:08:19
